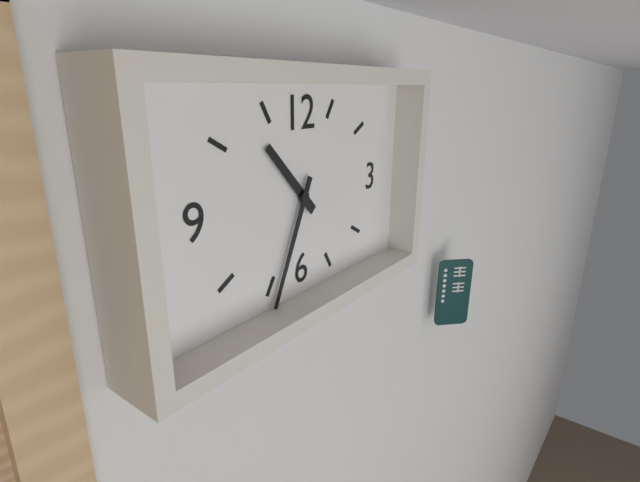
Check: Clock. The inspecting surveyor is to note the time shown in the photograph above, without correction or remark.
10:34
